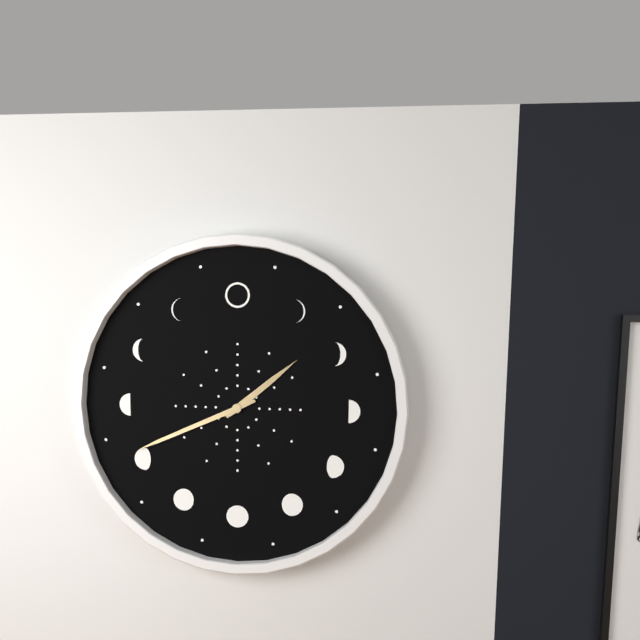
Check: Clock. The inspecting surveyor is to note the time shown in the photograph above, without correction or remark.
1:41
